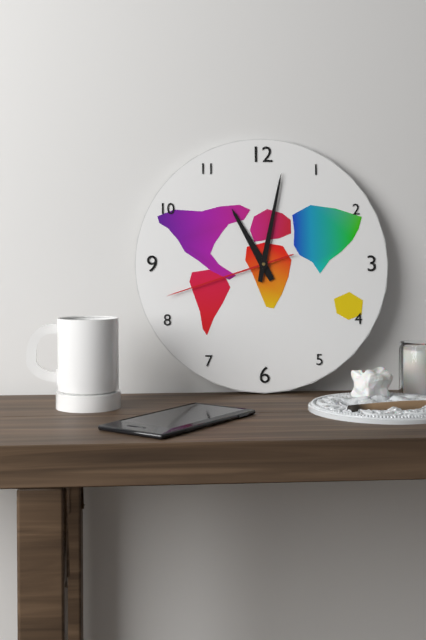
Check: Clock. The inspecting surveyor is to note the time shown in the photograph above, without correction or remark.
11:02:42
